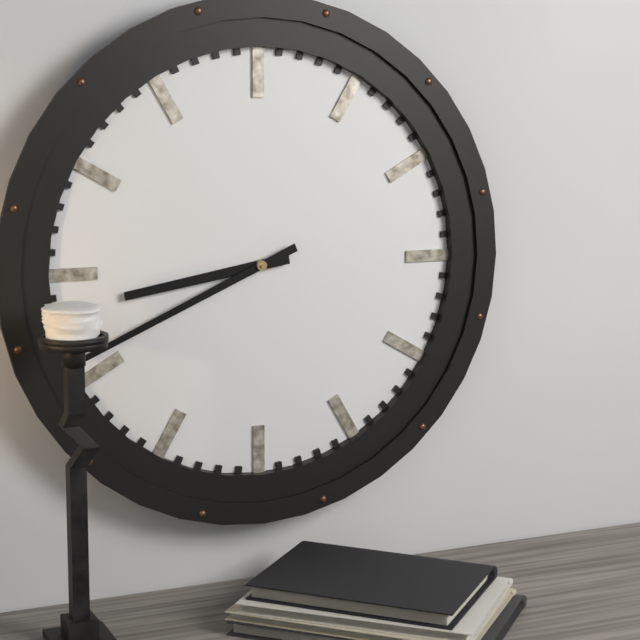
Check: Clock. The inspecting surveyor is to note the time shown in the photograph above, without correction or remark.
8:41
